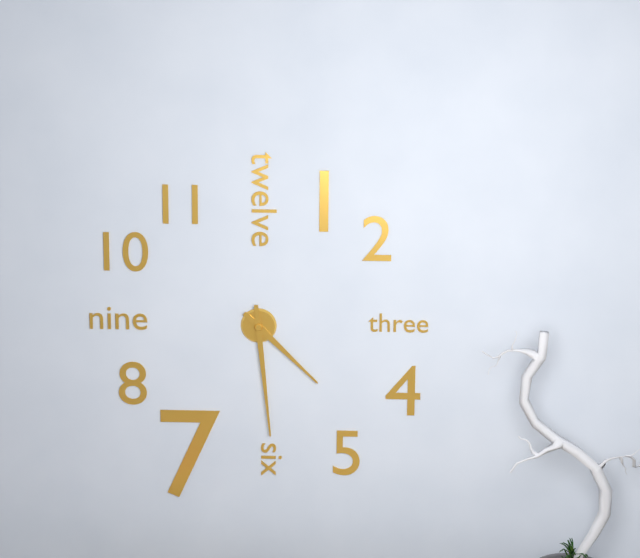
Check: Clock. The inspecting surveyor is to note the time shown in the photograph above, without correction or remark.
4:29
